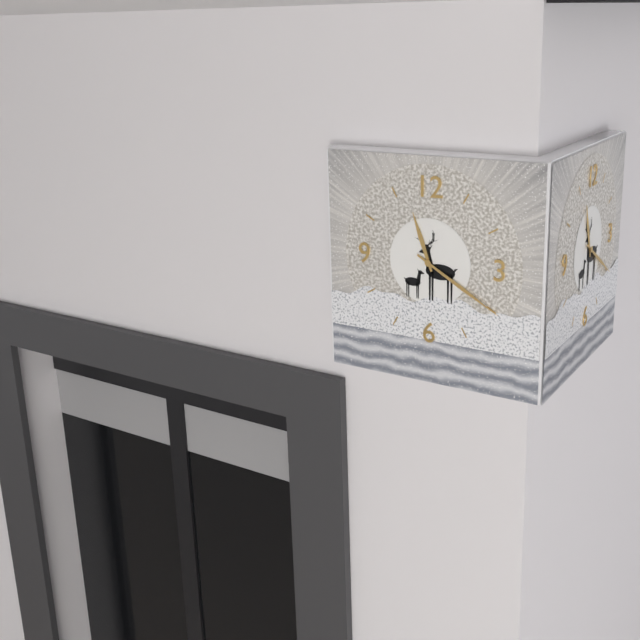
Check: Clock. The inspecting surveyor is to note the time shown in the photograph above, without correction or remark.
11:20
